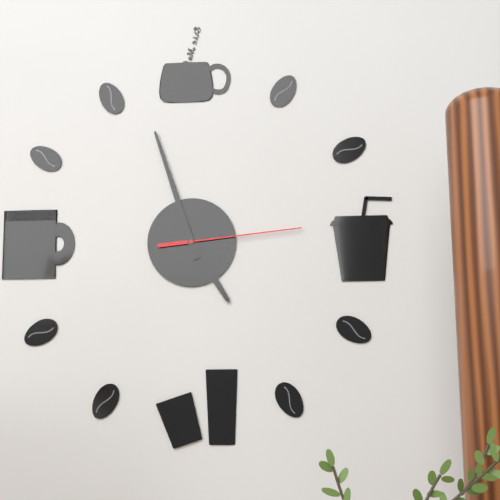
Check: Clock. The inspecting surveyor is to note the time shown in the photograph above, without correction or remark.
4:57:14
